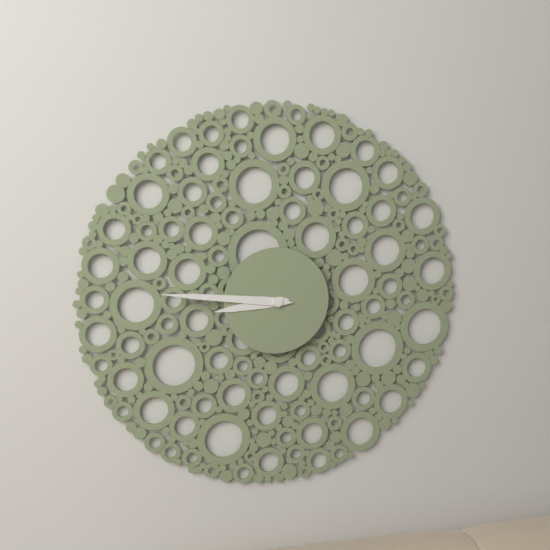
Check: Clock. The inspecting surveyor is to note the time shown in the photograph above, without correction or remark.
8:46
